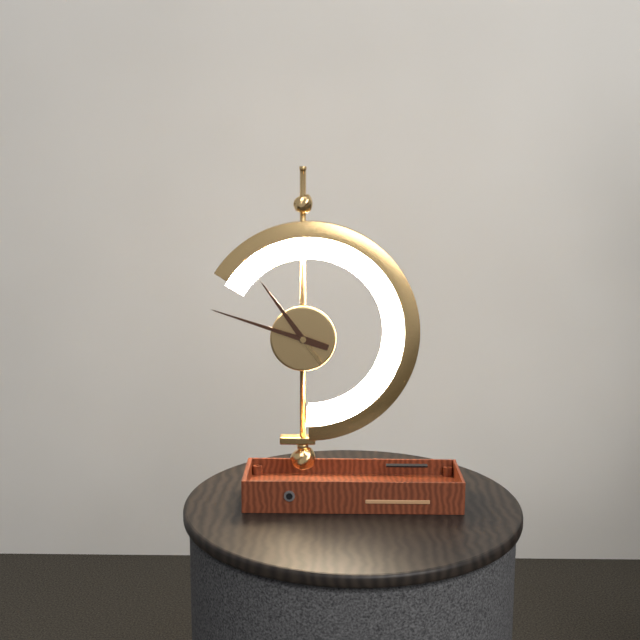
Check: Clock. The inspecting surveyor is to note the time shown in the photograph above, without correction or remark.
10:48
